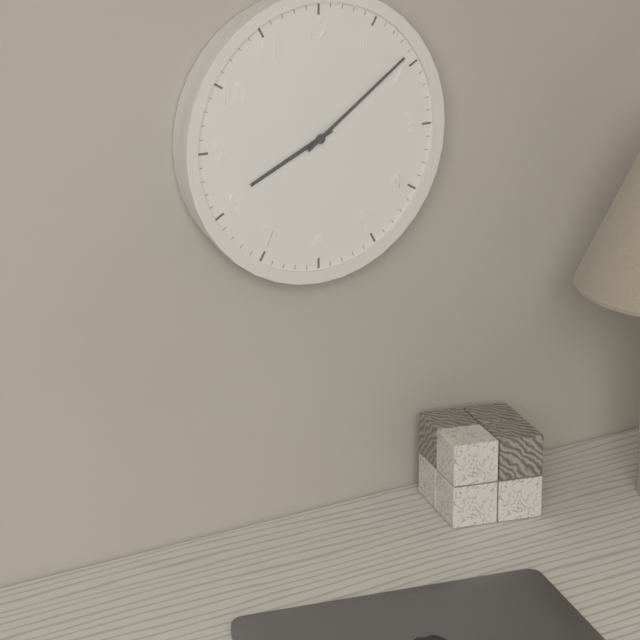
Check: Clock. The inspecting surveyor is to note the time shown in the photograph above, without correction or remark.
8:09
